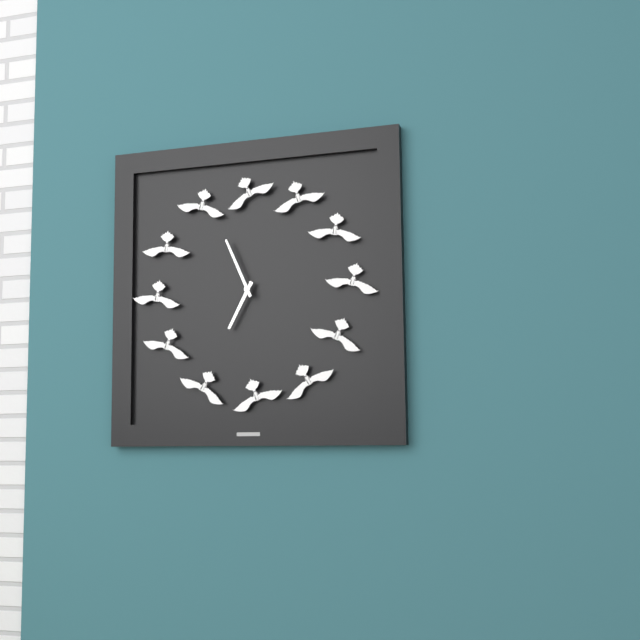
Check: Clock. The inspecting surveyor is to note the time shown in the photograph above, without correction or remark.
6:56
